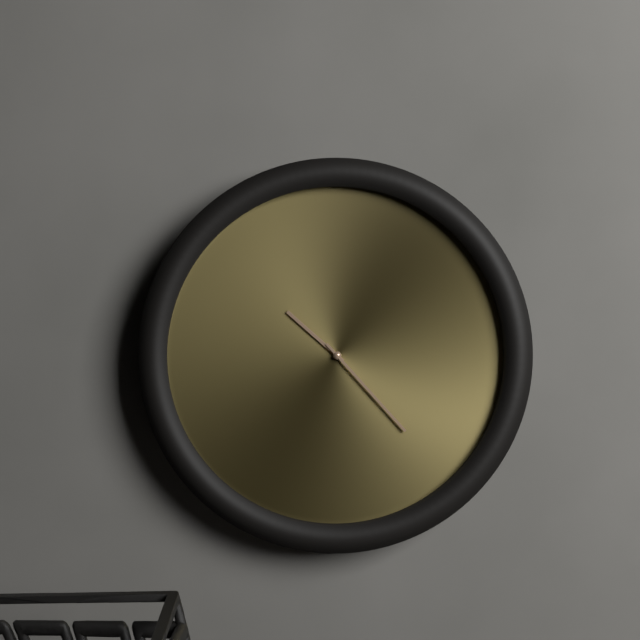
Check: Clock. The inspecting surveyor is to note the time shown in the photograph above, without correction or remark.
10:23
